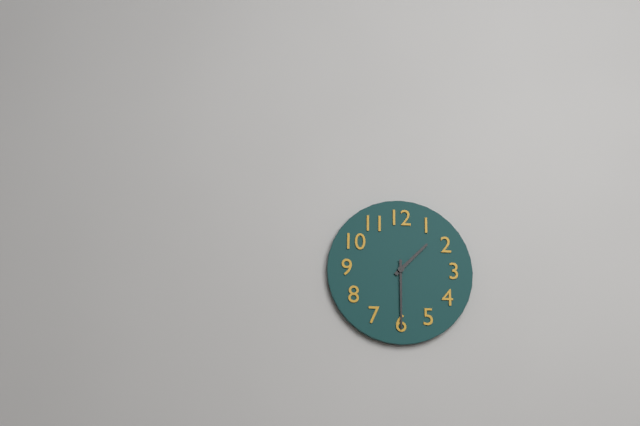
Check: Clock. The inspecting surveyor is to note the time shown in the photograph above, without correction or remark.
1:30
